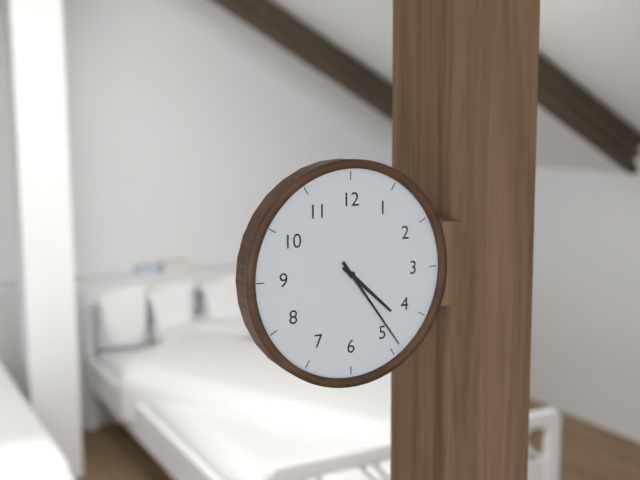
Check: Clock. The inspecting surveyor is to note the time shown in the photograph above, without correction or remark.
4:24
